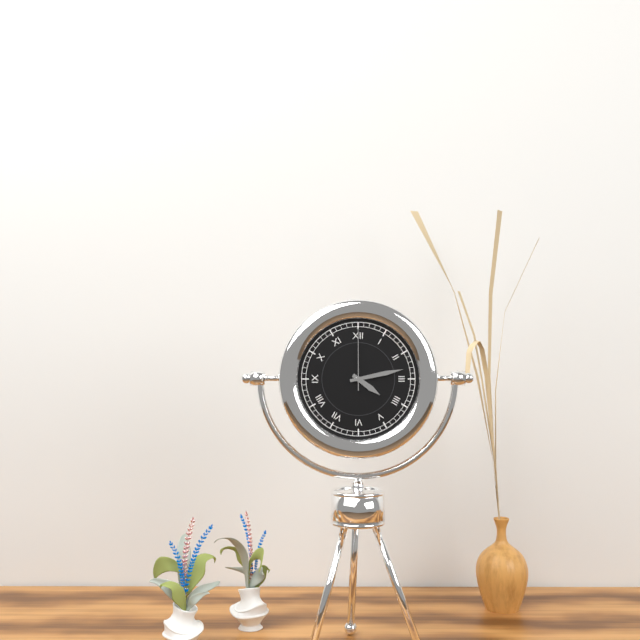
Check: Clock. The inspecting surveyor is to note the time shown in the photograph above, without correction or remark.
4:13:00
